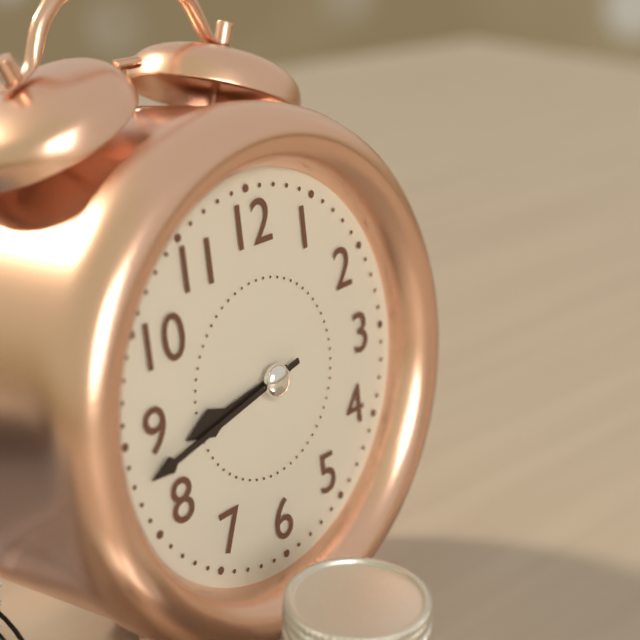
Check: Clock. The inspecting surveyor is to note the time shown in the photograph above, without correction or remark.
8:43
